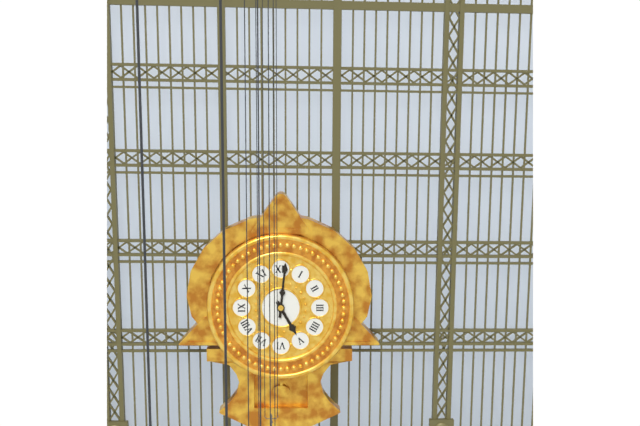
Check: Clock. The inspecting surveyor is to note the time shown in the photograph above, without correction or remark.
5:01
